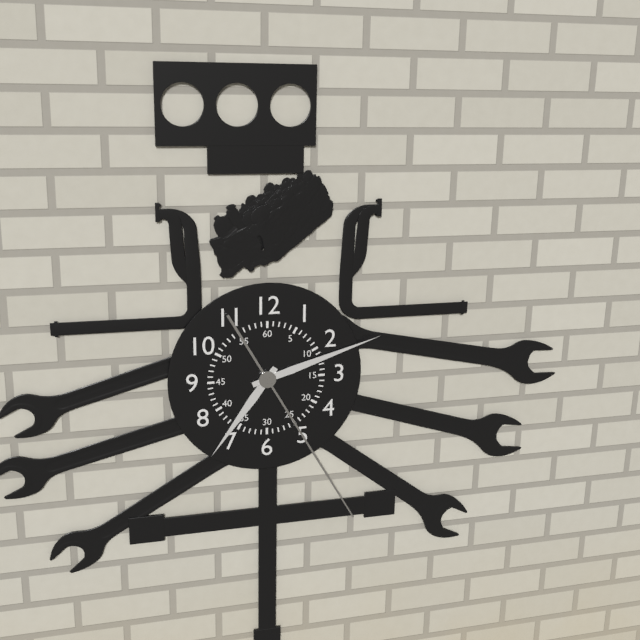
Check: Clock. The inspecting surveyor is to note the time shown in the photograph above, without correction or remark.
7:12:25
